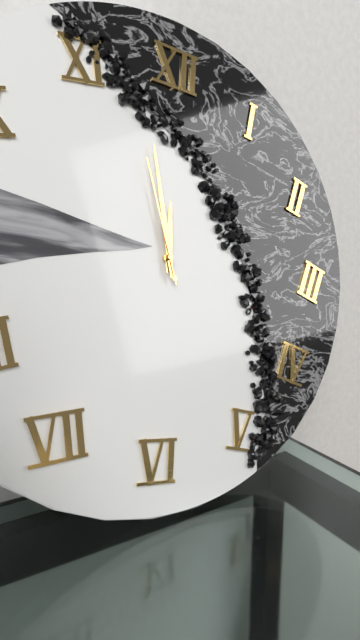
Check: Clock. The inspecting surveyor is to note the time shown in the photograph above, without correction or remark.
11:58:57
